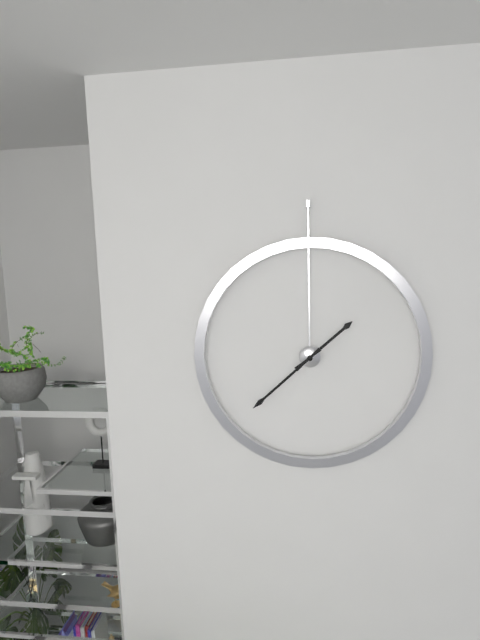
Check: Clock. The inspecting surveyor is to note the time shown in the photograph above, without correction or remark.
1:38
